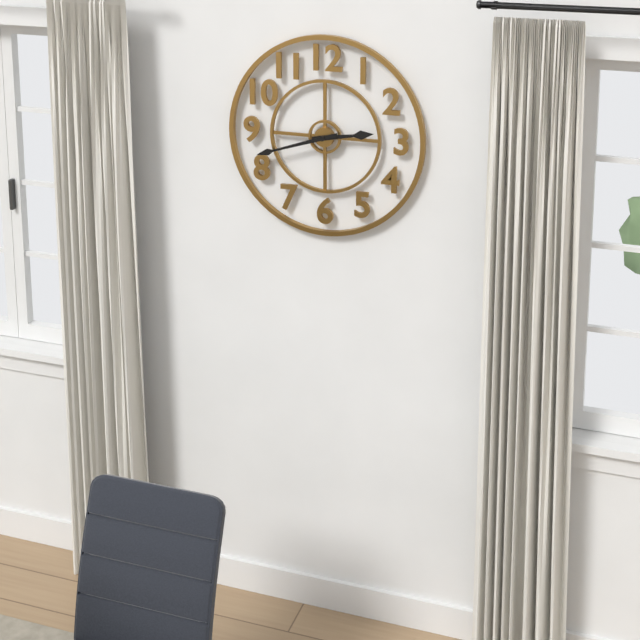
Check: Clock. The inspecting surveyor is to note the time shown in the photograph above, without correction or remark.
2:42
